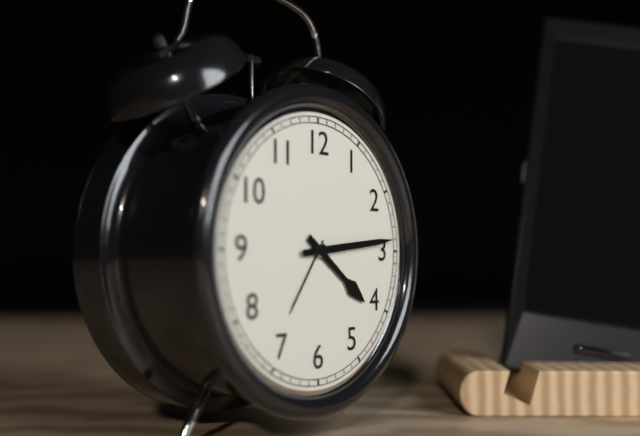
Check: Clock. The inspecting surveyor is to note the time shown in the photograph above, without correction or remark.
4:14
